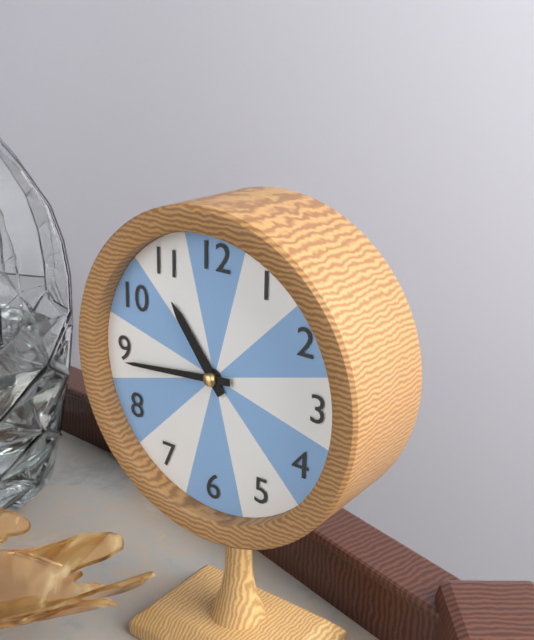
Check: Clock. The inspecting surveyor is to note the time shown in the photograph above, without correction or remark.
10:44
